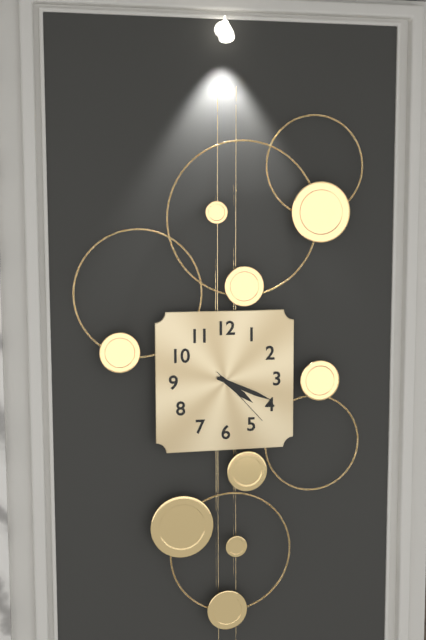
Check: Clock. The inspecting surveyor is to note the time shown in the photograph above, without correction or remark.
4:19:23
